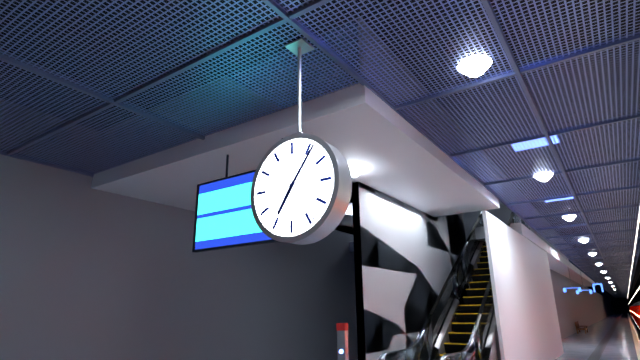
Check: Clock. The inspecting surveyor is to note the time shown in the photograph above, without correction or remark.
7:06
